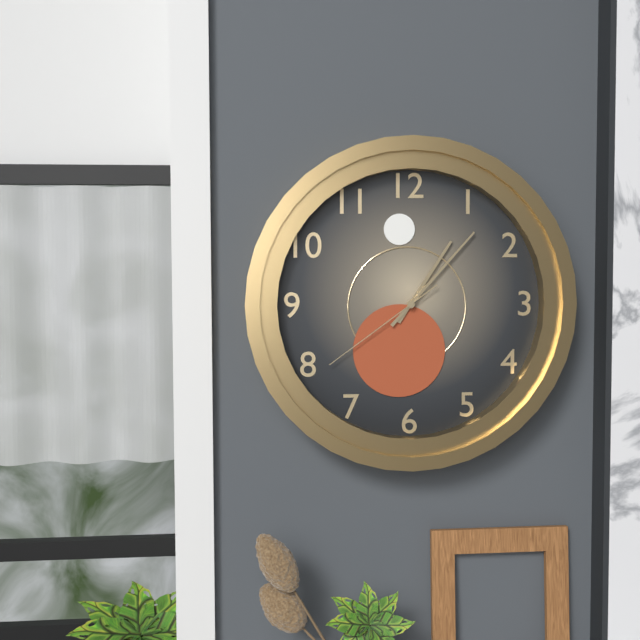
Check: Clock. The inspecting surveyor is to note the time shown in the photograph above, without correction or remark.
1:07:39
